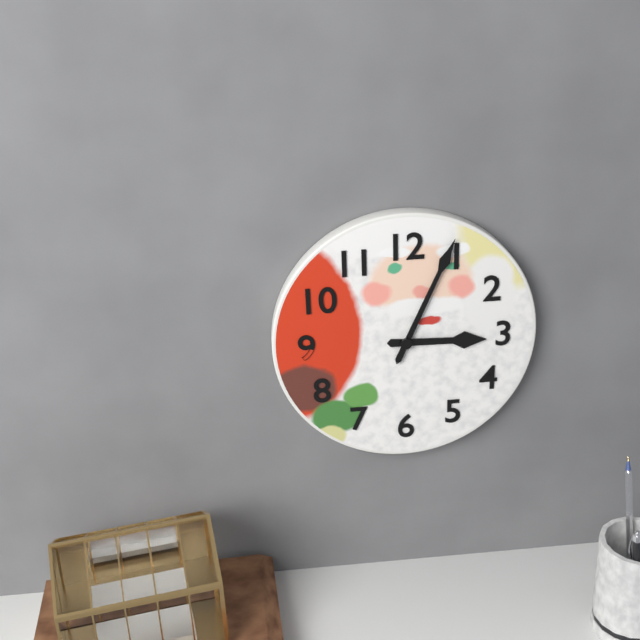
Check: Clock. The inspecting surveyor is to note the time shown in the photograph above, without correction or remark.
3:04
